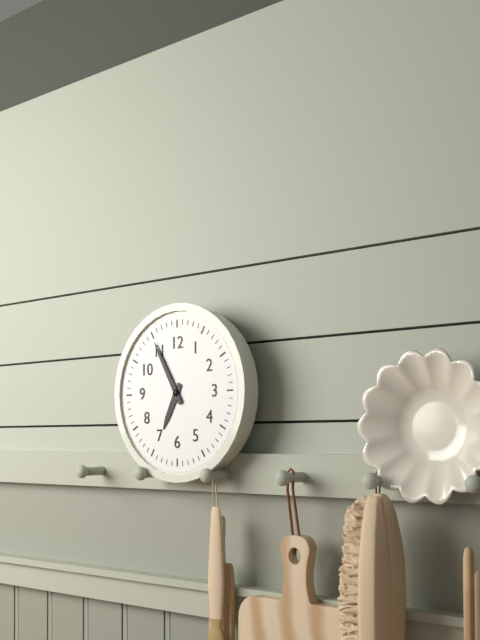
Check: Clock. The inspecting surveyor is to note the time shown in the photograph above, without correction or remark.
6:55
